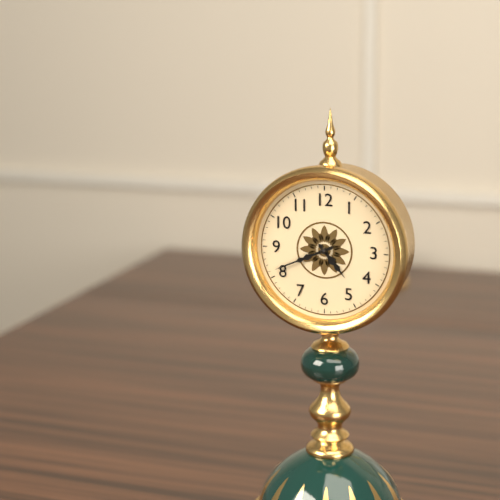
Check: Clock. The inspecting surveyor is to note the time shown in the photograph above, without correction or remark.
4:41
